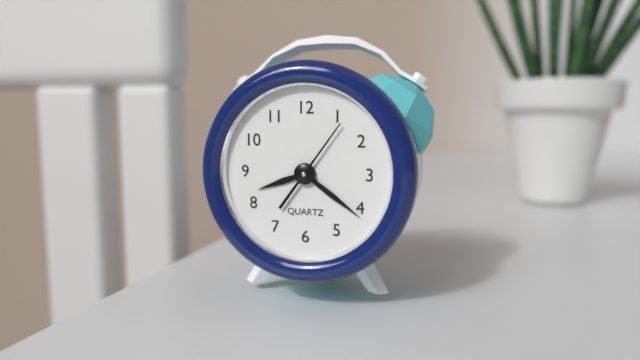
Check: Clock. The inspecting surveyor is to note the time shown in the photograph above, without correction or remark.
8:21:06
